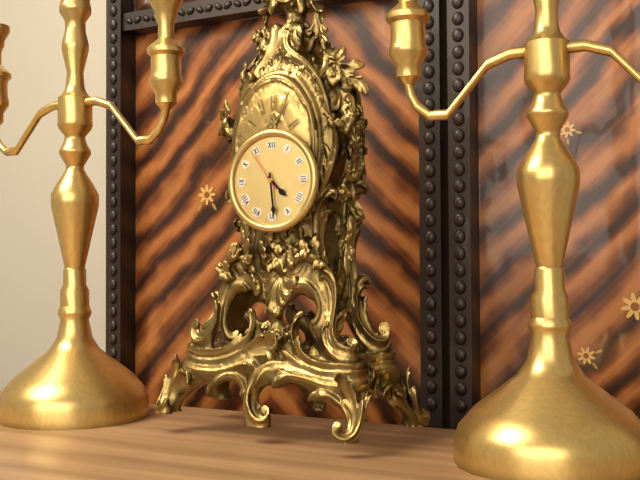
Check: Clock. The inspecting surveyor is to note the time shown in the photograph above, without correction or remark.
4:29
